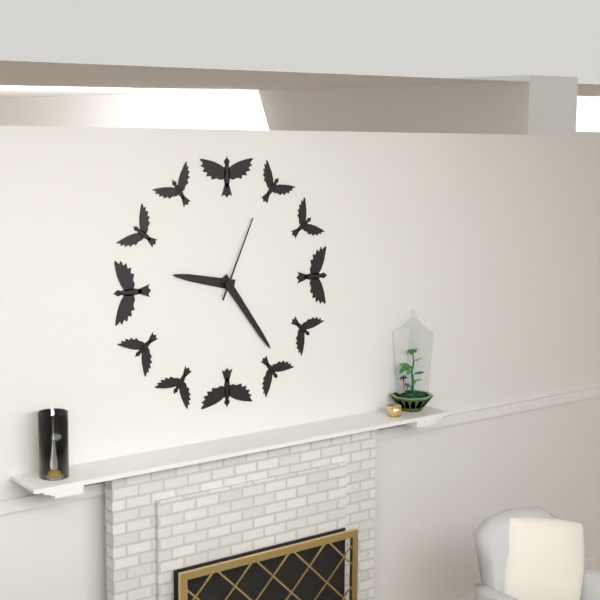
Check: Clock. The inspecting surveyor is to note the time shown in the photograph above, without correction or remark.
9:24:04
